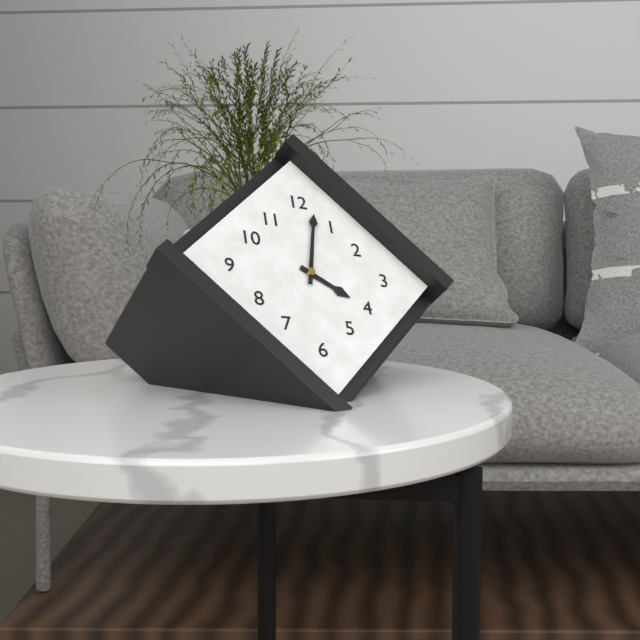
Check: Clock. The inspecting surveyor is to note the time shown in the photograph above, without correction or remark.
4:02
